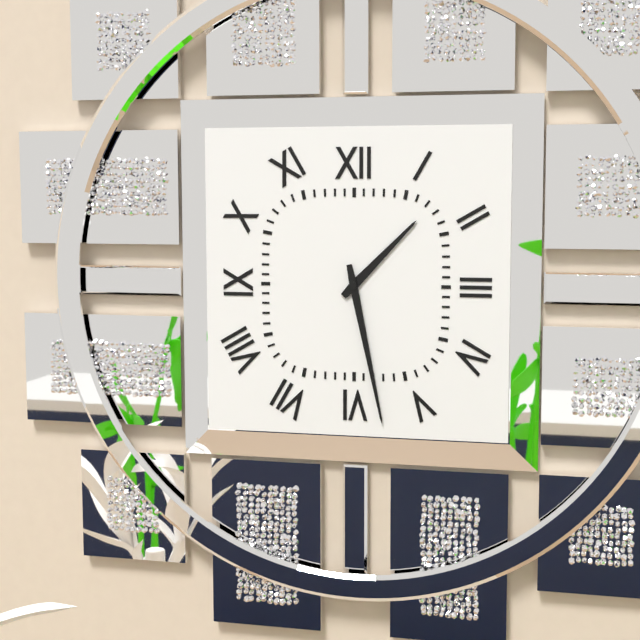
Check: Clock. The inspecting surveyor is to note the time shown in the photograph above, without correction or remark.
1:28
